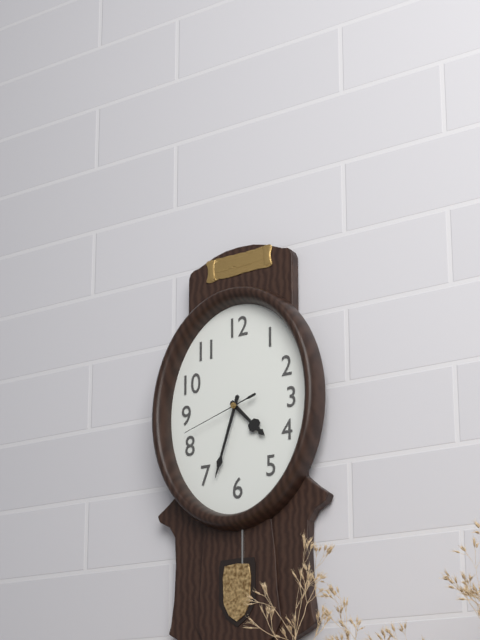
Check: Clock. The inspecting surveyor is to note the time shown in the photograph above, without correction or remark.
4:33:42
